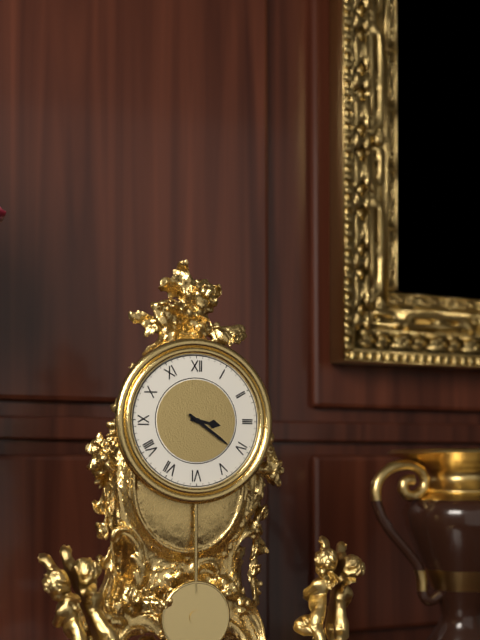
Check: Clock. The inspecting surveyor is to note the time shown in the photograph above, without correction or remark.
3:21
